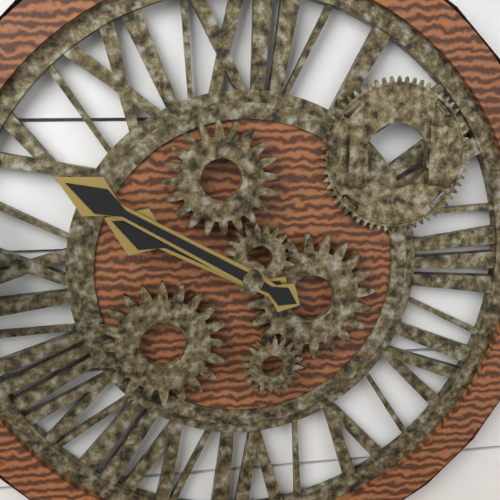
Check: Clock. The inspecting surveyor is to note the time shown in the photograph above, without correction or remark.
9:50
